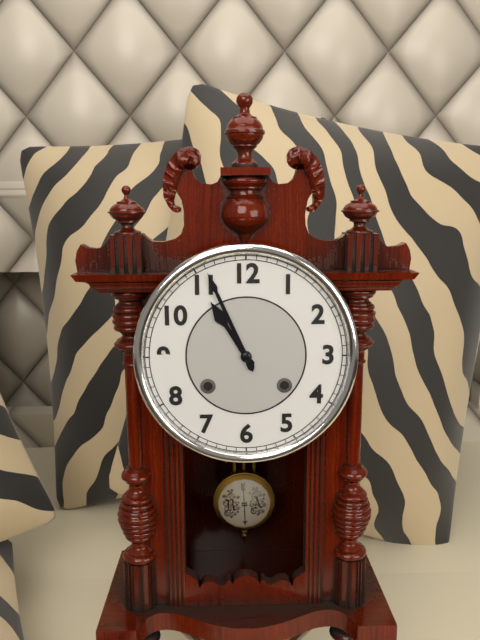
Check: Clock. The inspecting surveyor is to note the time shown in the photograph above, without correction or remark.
10:56
